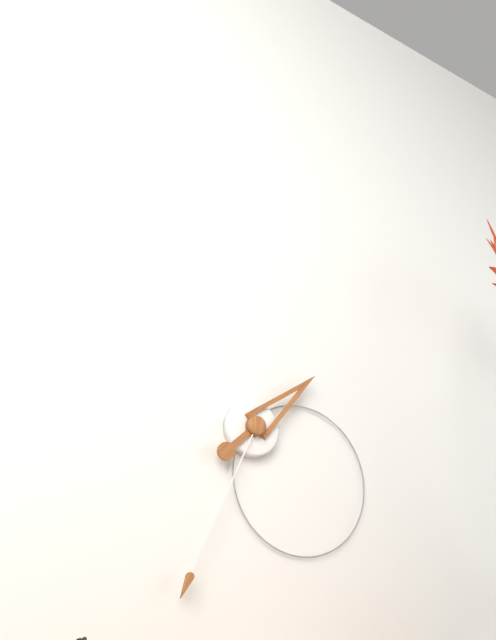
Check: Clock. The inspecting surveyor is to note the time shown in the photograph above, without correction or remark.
1:34
